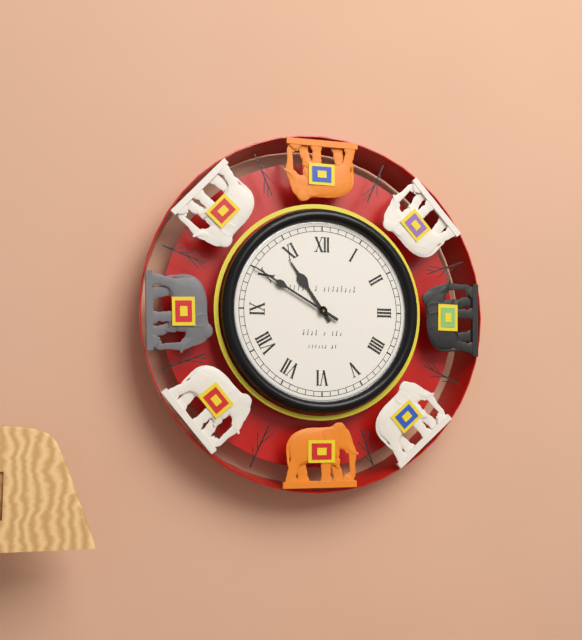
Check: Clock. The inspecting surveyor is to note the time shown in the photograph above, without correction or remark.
10:50
